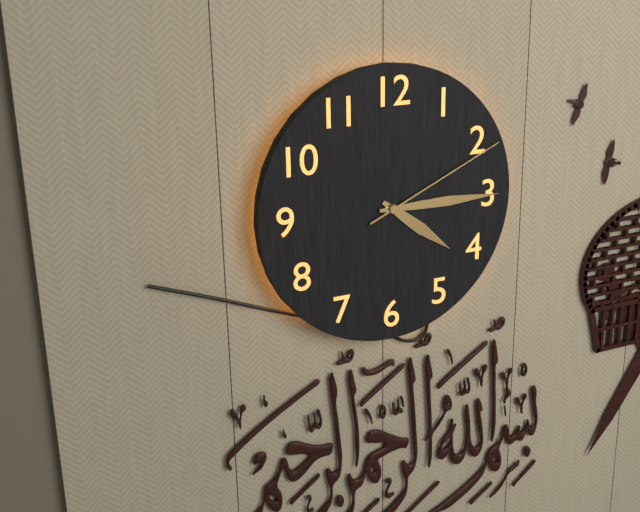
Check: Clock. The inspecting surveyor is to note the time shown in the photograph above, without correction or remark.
4:15:11
